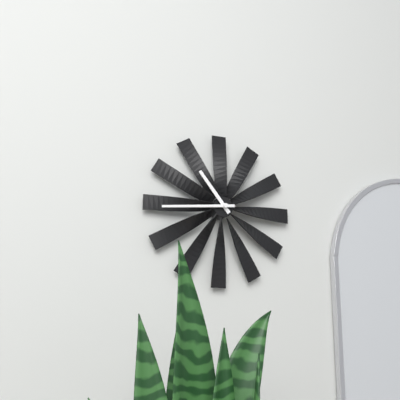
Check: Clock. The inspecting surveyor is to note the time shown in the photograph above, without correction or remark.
10:44
